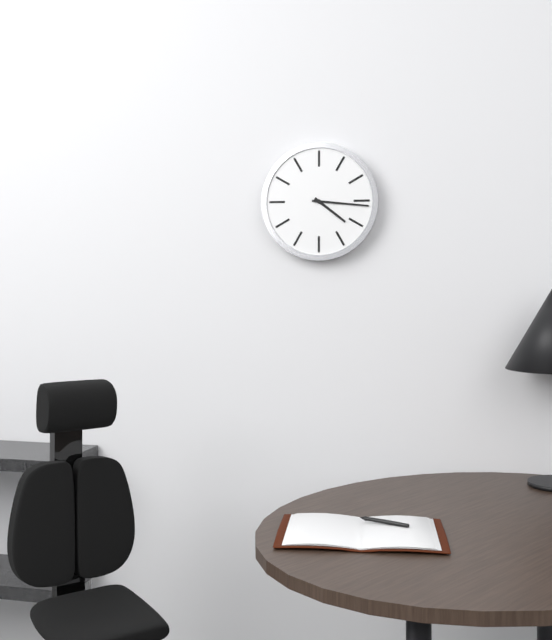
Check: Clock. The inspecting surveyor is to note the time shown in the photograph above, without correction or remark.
4:16
